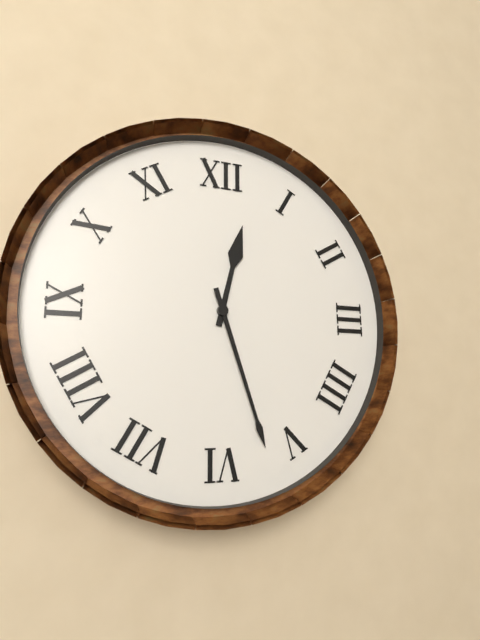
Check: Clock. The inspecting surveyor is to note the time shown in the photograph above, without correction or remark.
12:27
